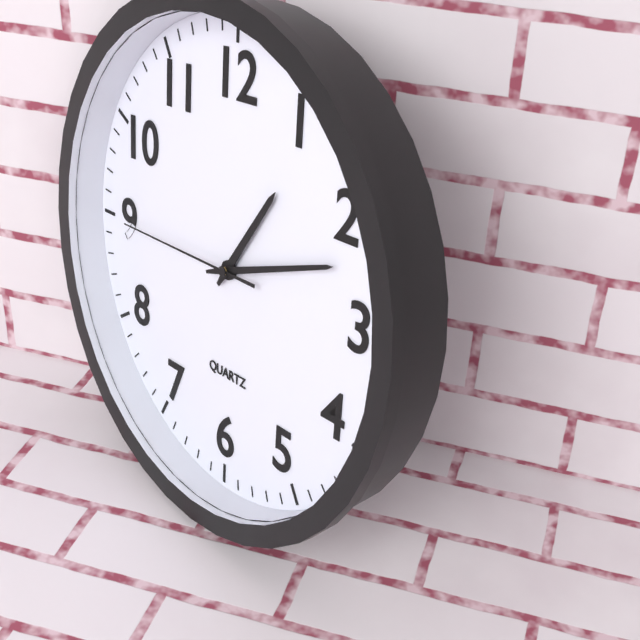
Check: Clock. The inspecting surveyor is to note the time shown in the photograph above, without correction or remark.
1:12:45
